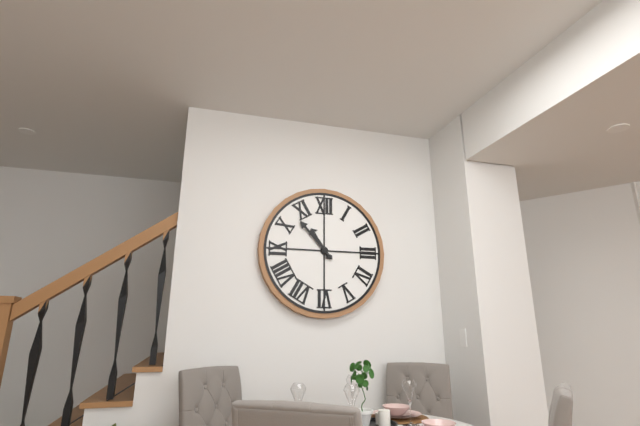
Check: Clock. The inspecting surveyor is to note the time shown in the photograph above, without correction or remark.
10:53
